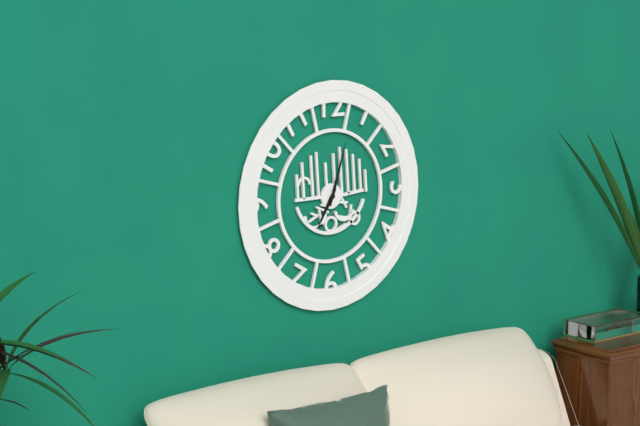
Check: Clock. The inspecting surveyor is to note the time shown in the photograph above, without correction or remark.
7:03
